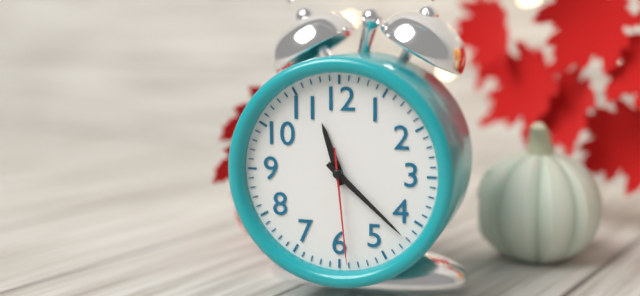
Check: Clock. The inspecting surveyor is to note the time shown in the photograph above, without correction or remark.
11:22:29
